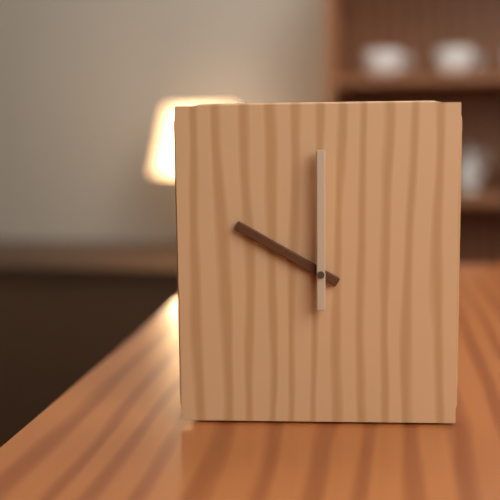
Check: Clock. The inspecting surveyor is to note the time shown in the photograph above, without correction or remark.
10:00
